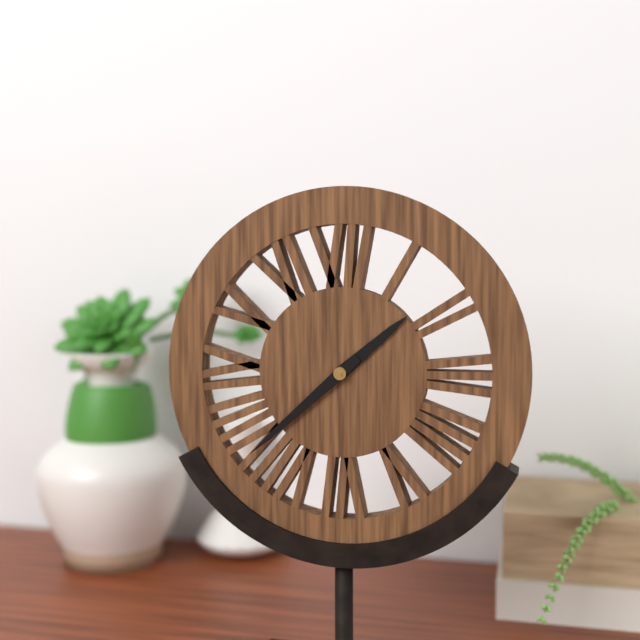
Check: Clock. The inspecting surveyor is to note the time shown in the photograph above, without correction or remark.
1:38
